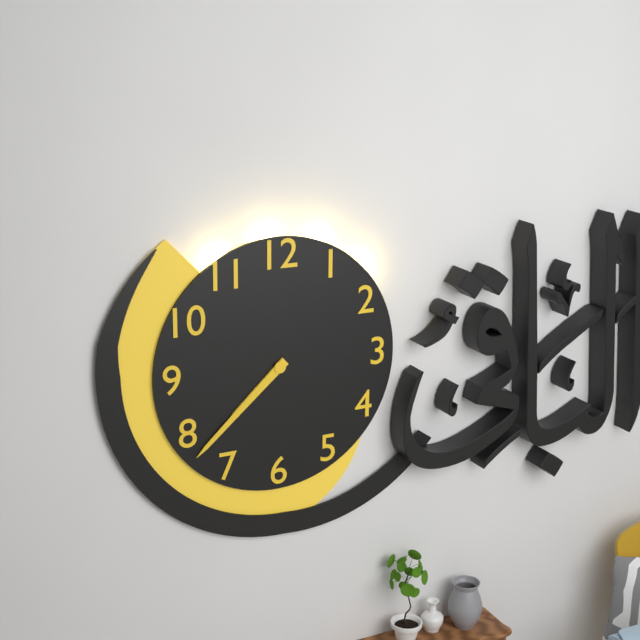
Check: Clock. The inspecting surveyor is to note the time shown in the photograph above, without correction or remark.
7:38
